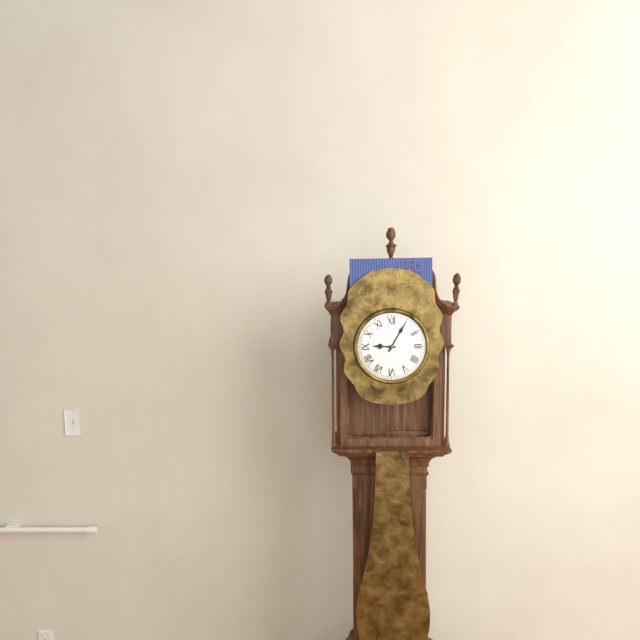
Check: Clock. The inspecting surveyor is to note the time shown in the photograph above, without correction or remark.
9:05
